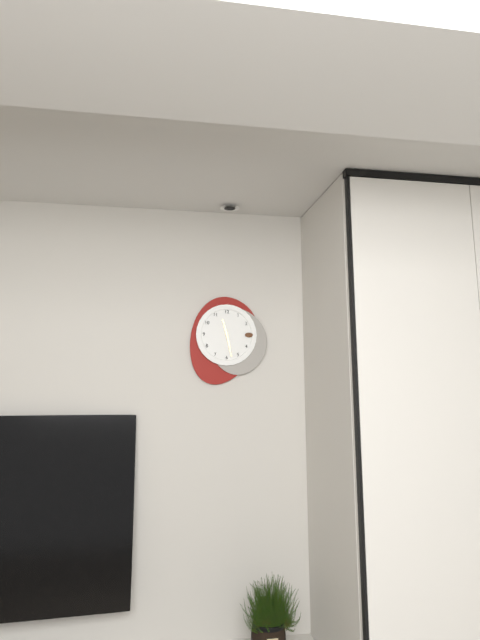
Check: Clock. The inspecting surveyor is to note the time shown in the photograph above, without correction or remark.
11:28
